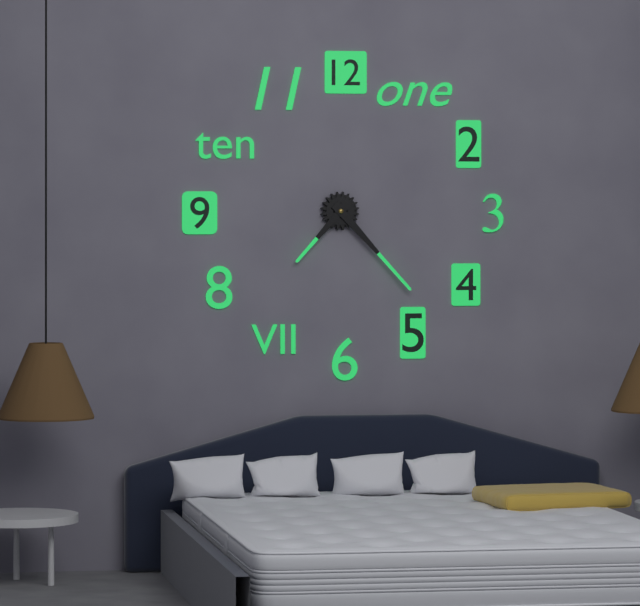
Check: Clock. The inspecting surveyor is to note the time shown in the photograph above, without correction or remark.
7:23
